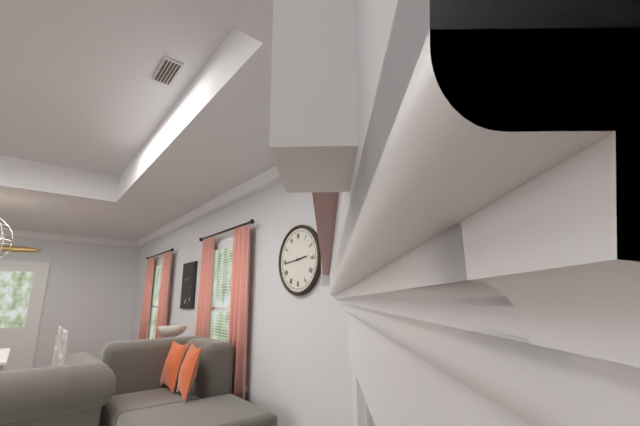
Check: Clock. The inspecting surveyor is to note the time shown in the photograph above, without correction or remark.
2:44
